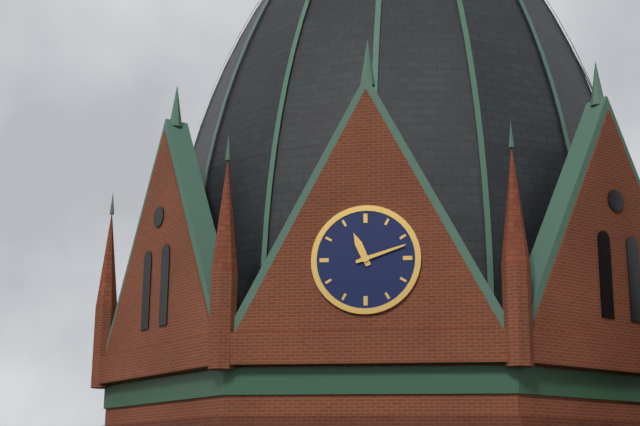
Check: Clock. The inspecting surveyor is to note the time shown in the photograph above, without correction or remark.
11:12
